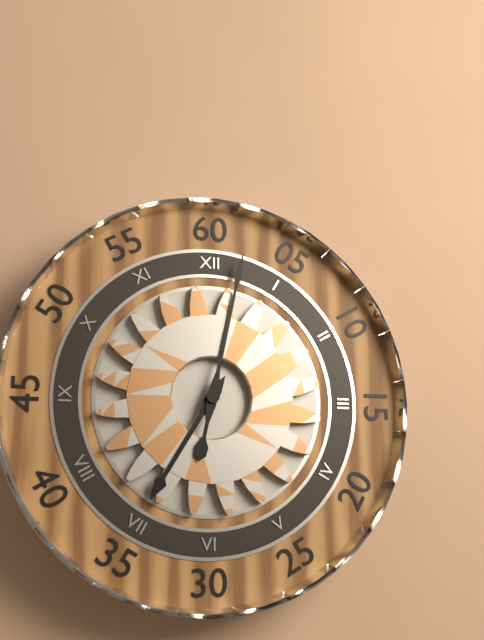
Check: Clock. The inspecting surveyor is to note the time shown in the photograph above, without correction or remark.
7:02
